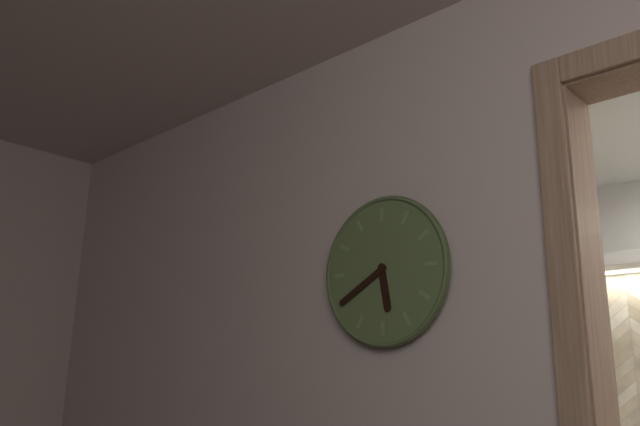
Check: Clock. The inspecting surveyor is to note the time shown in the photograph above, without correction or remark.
5:40
